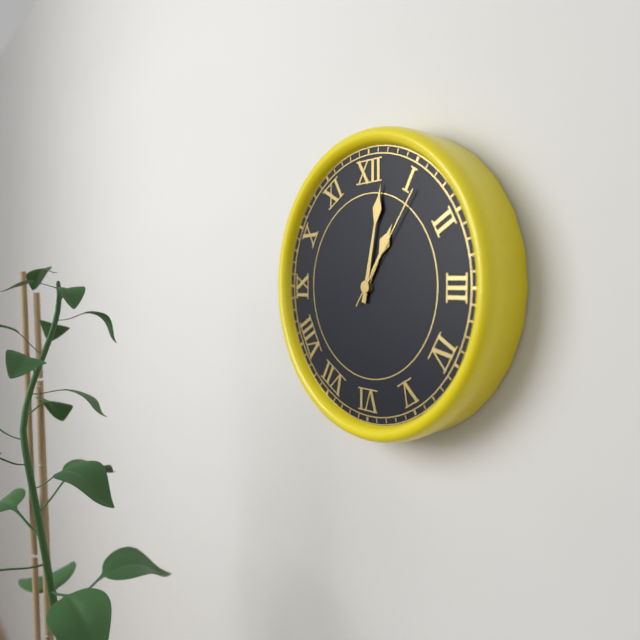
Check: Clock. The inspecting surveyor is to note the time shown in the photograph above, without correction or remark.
1:02:06
